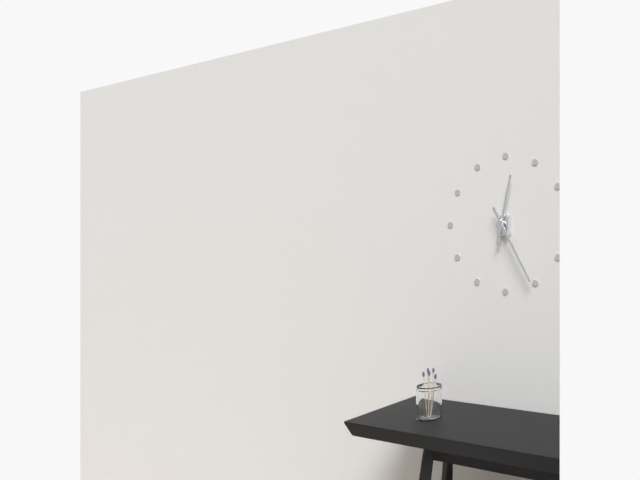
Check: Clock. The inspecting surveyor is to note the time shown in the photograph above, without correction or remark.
12:25
